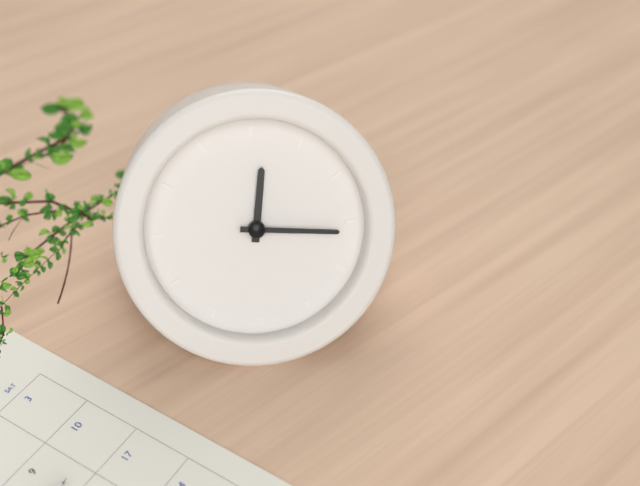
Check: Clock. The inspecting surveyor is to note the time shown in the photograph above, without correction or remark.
12:16
